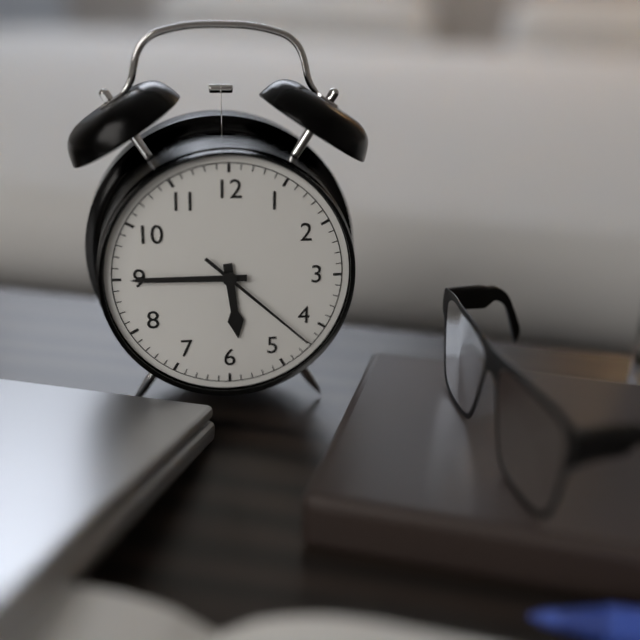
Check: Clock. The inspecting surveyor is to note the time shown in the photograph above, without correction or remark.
5:45:22
